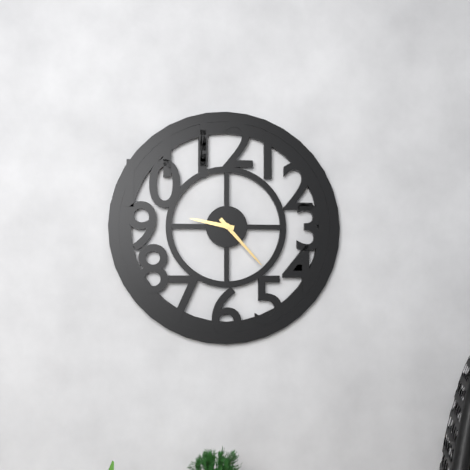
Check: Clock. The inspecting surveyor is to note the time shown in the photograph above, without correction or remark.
9:23
